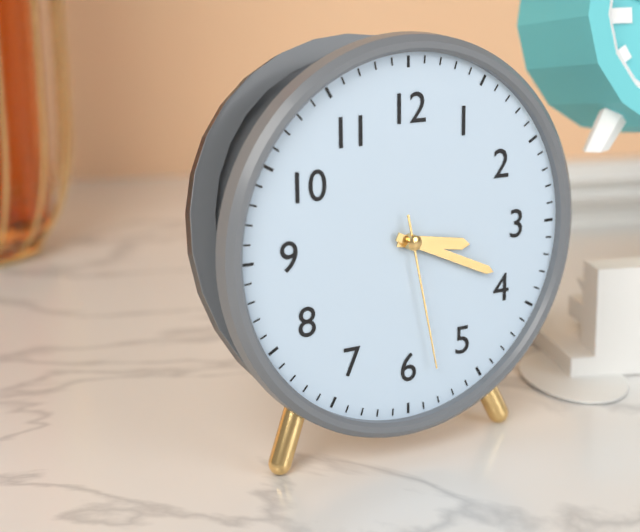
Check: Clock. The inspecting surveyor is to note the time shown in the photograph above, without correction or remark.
3:19:28
